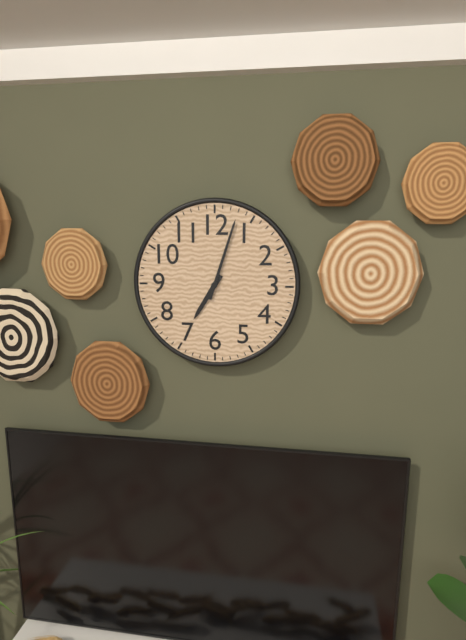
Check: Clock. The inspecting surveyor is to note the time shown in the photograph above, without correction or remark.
7:03
